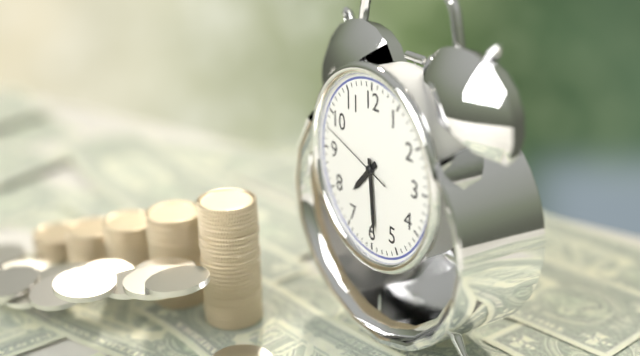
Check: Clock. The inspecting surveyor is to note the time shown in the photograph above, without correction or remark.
7:29:48
